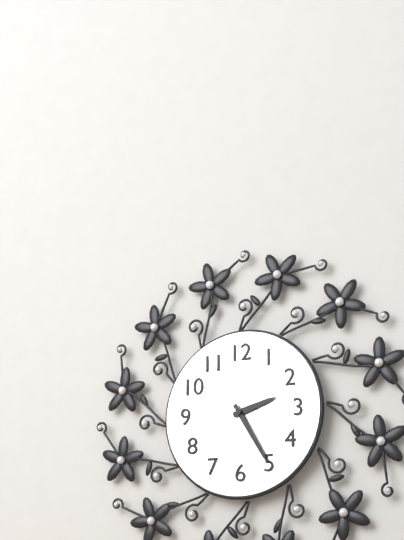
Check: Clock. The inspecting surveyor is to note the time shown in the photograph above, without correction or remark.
2:25
